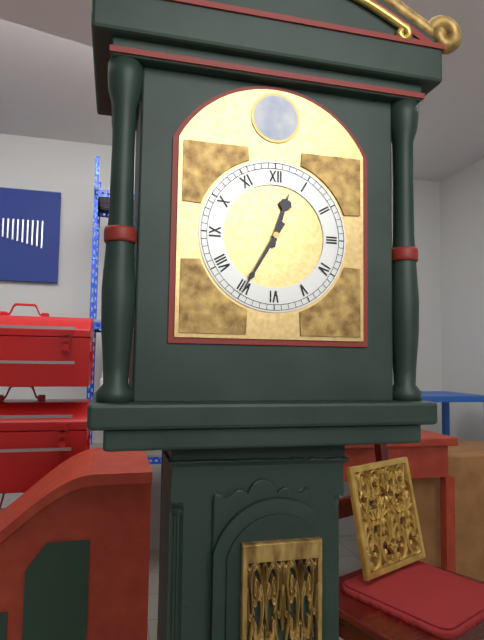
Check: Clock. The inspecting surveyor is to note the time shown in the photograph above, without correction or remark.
12:35
